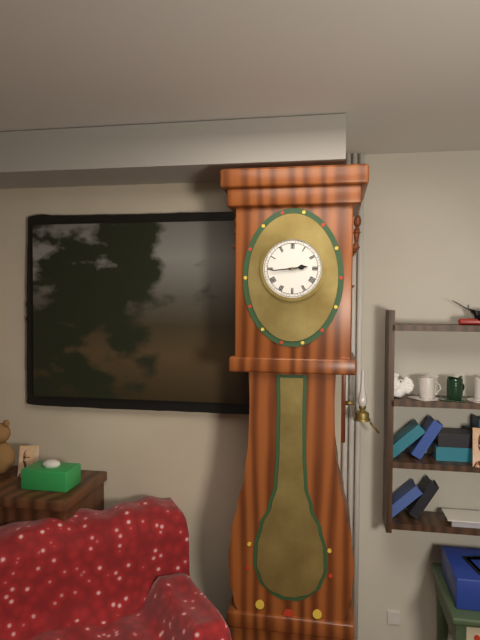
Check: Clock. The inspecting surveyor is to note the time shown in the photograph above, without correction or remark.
2:44
